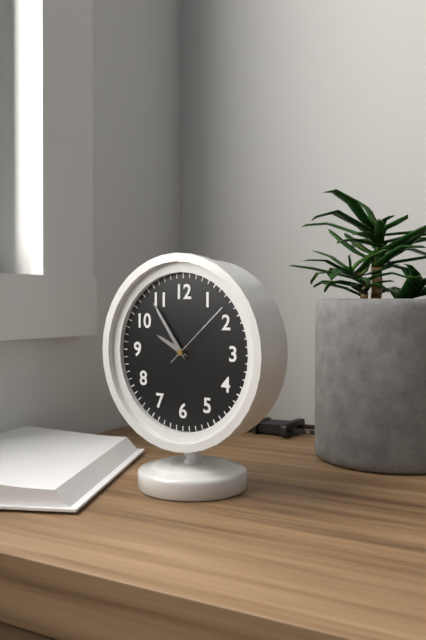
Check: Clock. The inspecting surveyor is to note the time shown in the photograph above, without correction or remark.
9:54:08
